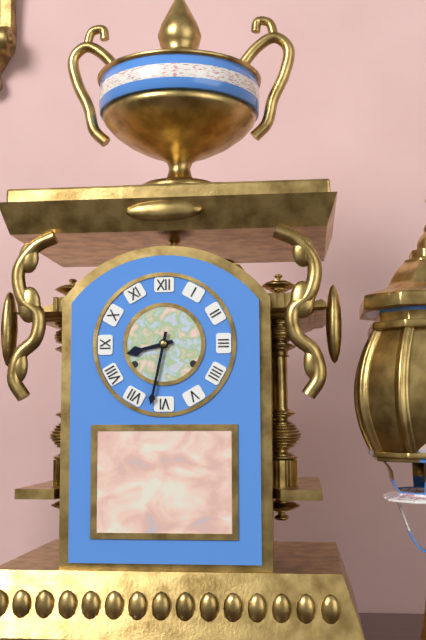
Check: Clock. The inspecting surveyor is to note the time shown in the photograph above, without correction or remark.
8:32
